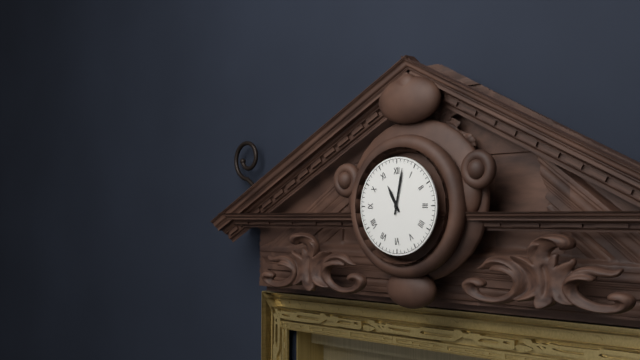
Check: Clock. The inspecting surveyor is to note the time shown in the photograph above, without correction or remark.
11:02
